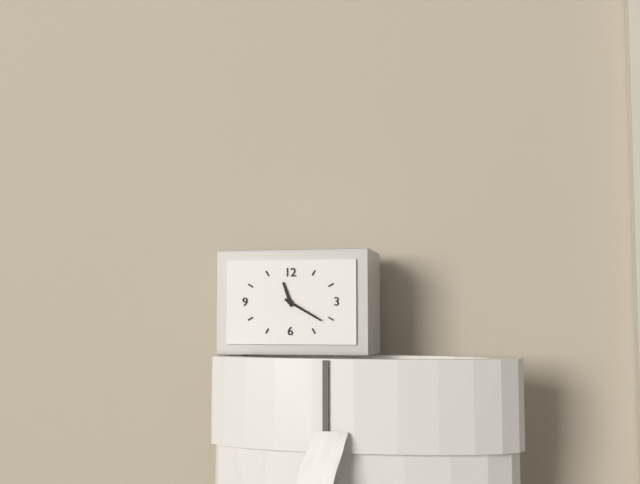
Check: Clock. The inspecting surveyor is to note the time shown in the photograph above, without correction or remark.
11:20
